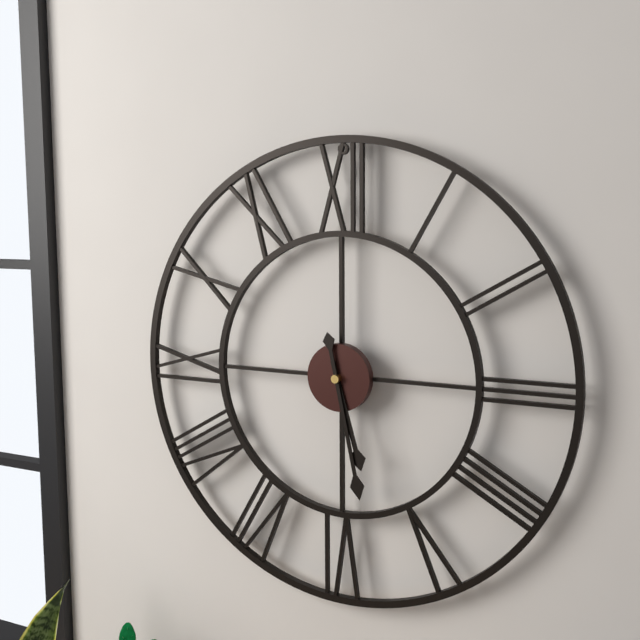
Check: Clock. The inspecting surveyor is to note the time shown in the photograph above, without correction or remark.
5:28
